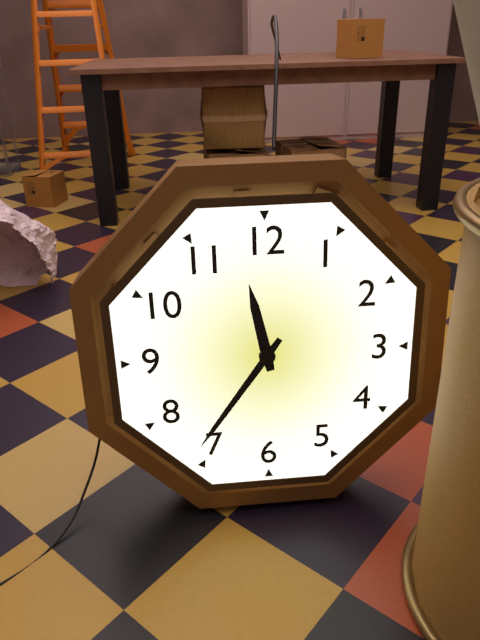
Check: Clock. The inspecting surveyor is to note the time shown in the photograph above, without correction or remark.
11:36
